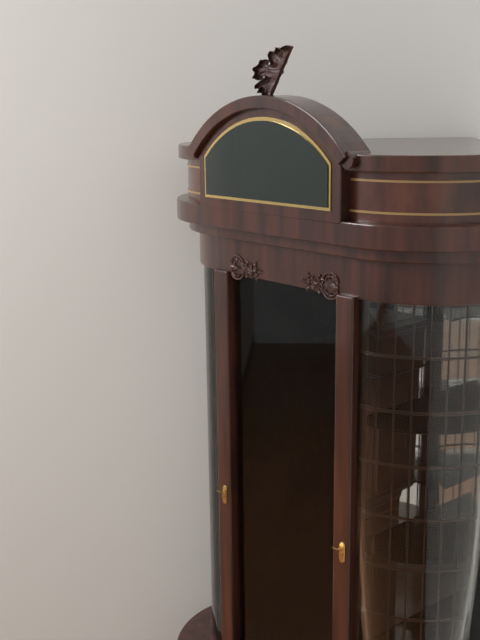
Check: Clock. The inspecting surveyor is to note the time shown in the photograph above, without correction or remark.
6:56
